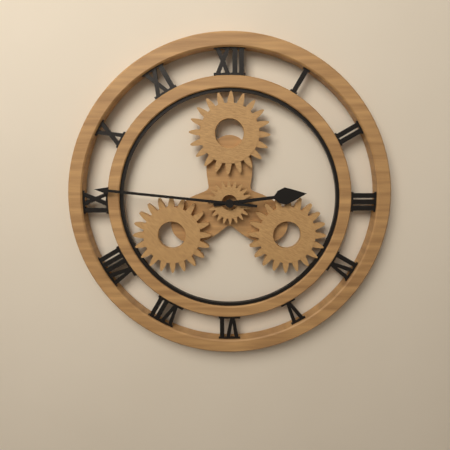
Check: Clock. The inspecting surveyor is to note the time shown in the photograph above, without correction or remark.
2:46
